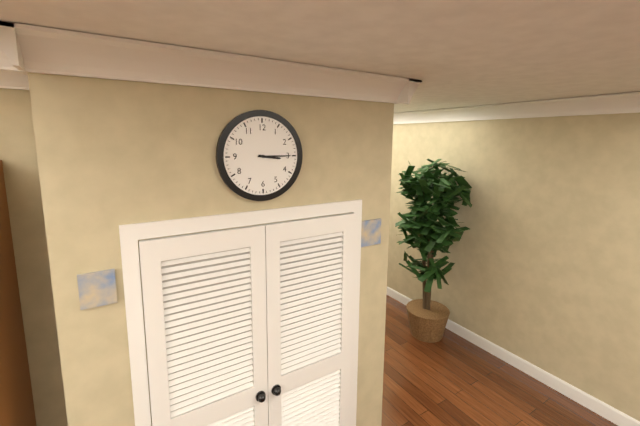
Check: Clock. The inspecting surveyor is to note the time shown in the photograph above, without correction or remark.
3:15
